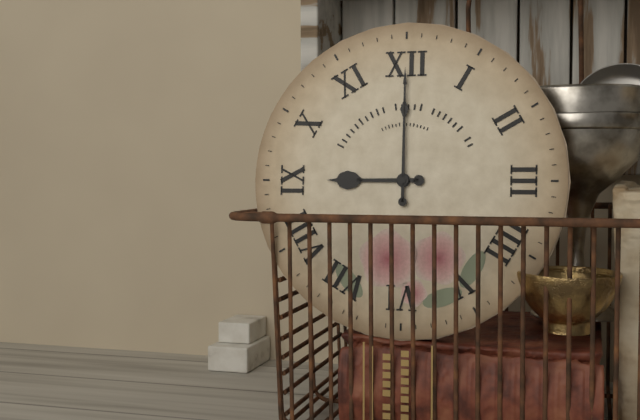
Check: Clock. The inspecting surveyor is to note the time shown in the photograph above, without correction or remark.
9:00
